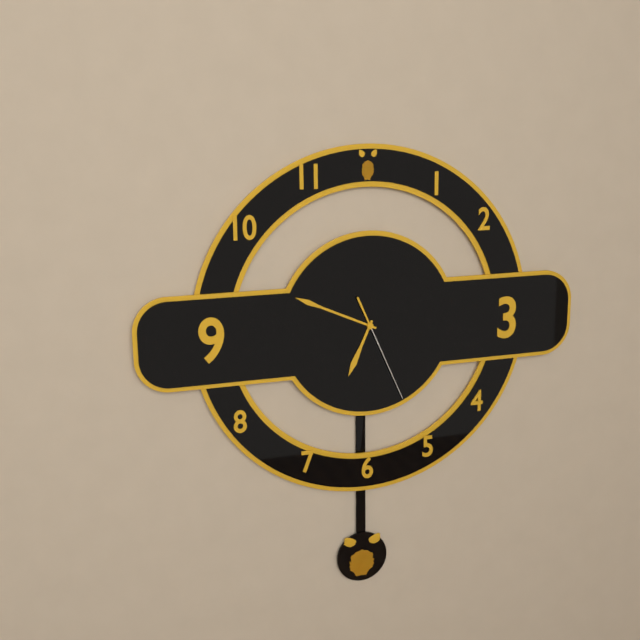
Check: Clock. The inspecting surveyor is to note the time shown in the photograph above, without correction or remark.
6:49:26
